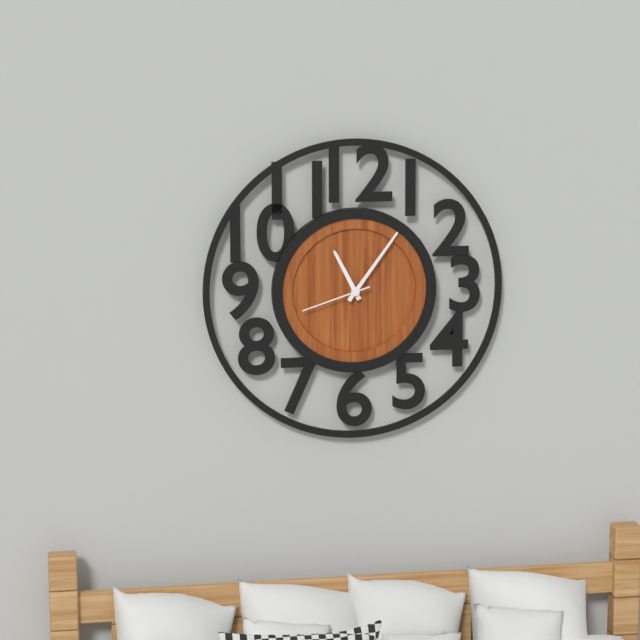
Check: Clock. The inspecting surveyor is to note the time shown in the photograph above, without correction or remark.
11:06:42
